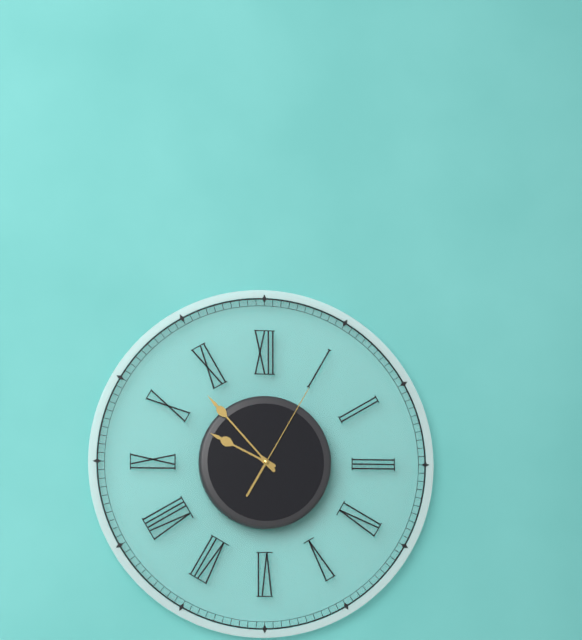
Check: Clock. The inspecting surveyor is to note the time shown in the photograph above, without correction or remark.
9:53:05
